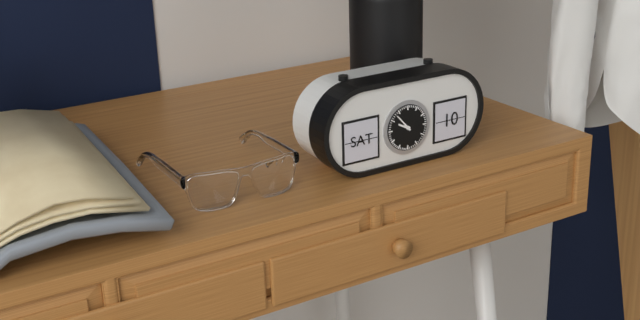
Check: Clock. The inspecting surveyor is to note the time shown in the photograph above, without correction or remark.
9:53
